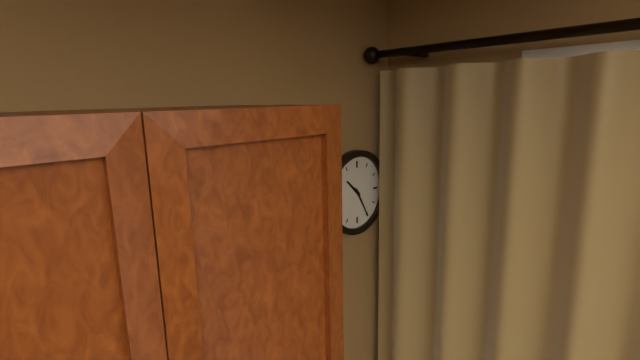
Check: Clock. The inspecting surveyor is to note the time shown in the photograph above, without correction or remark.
10:25
